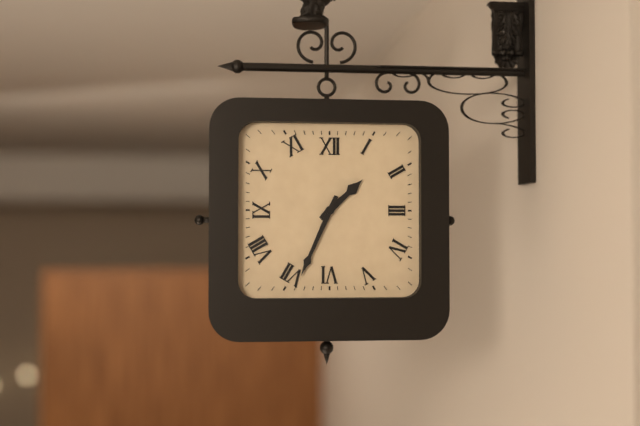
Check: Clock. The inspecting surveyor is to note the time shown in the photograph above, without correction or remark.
1:34
